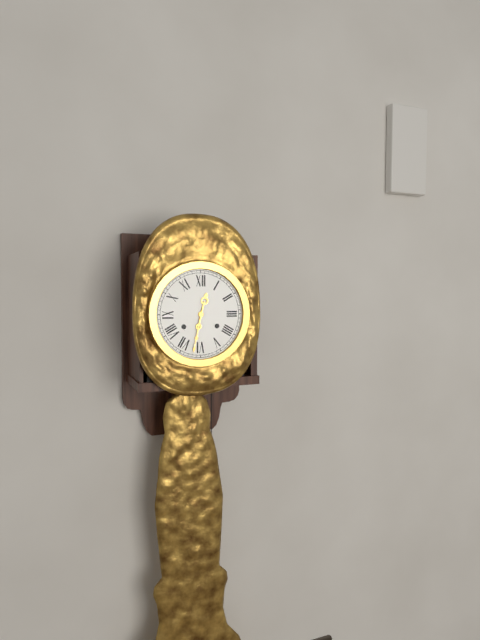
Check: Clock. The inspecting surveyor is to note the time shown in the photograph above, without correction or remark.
12:32
